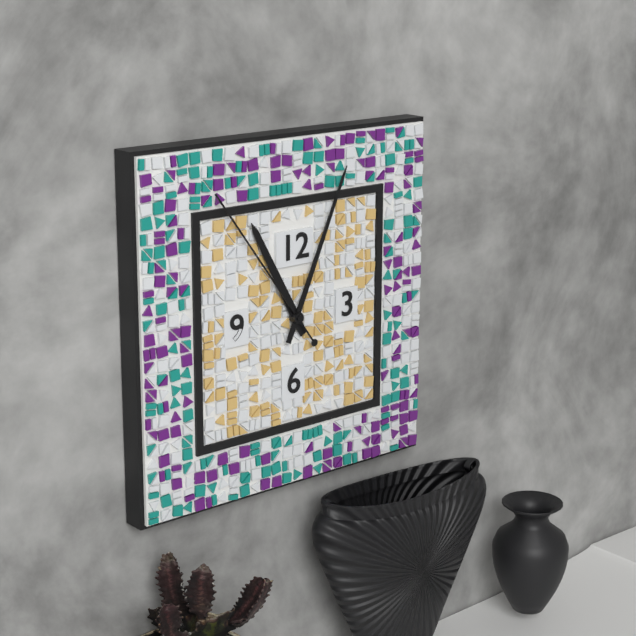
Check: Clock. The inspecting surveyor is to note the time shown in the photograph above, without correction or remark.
11:04:54
